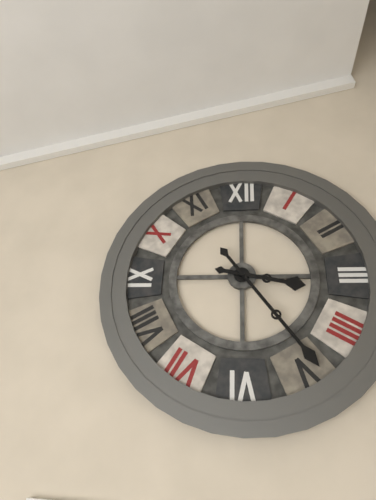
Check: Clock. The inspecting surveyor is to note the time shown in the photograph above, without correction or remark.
3:24
